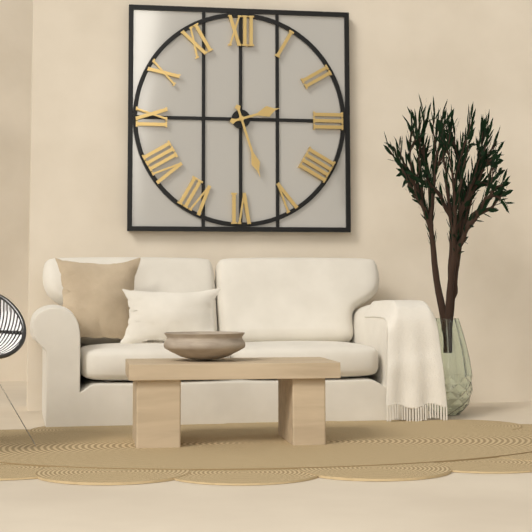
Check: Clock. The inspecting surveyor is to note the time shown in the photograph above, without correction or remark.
2:27
